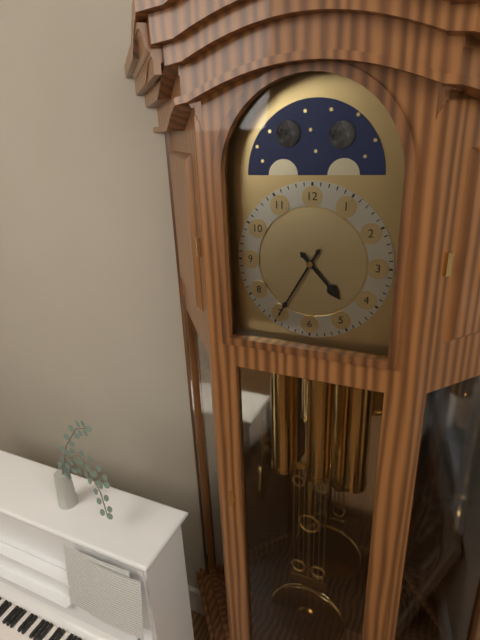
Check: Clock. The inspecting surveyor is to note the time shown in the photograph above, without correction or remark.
4:35
